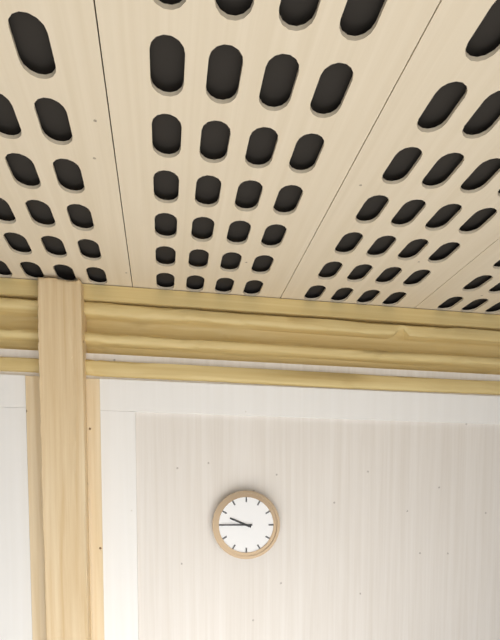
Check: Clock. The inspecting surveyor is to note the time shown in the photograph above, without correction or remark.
9:45
